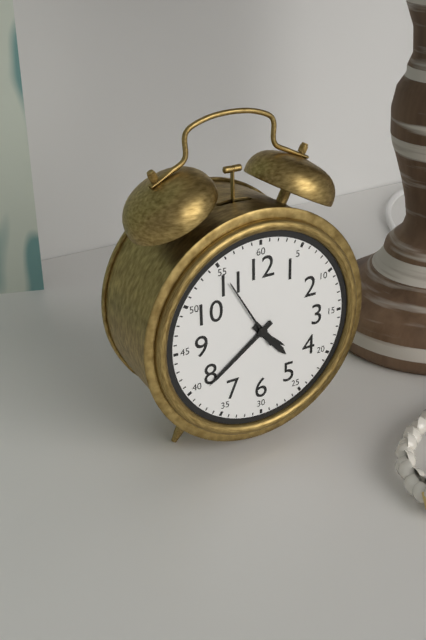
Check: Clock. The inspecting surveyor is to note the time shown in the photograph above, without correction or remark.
4:39:55
